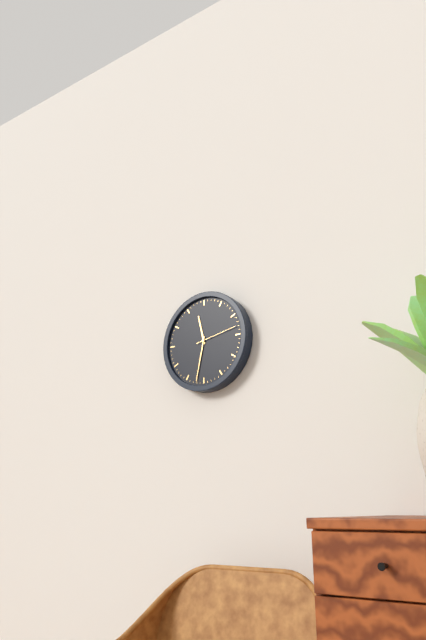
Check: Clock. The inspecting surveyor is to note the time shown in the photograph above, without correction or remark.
11:32
